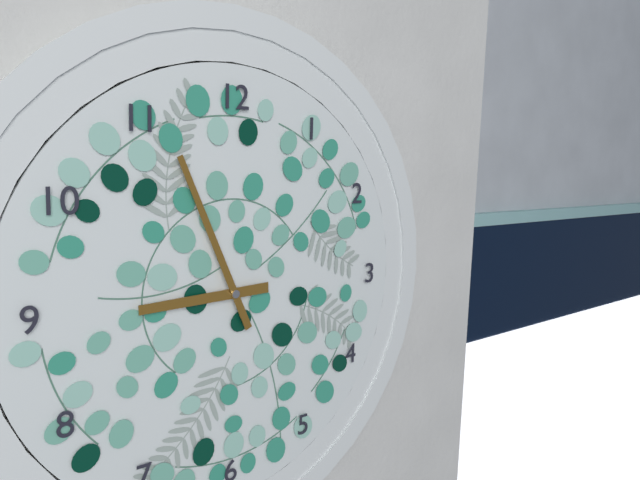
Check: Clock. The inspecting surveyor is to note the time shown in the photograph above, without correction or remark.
8:56
